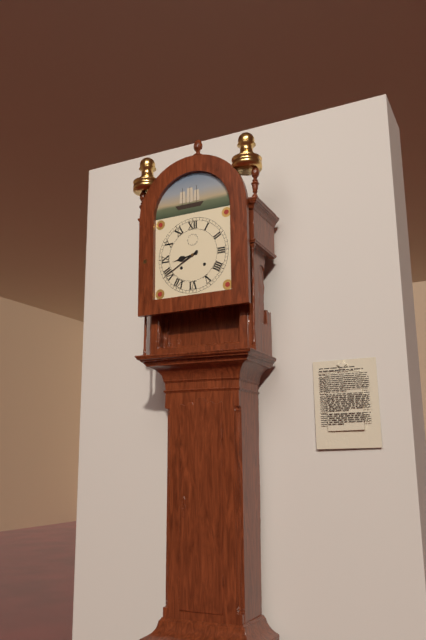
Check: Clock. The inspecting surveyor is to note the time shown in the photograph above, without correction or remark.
8:40
